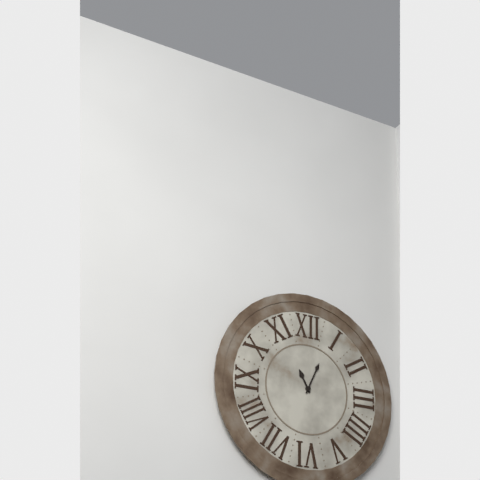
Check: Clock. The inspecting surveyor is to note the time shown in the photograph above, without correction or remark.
11:04
